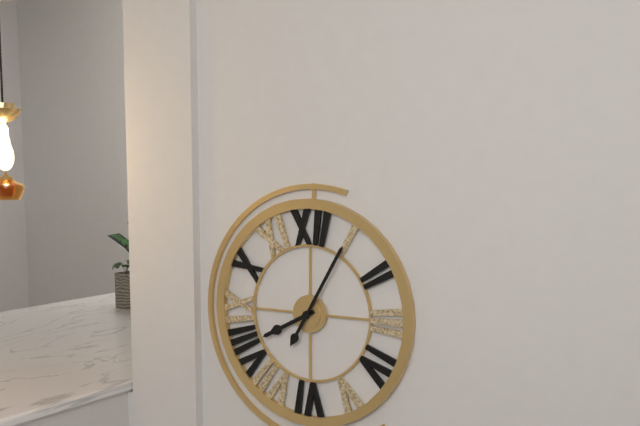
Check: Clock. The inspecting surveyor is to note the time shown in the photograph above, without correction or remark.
8:05
